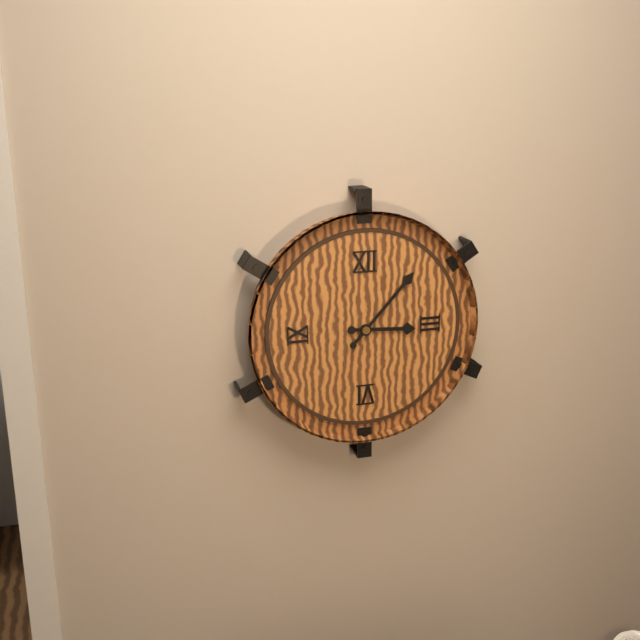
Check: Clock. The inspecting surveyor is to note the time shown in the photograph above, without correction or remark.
3:07
